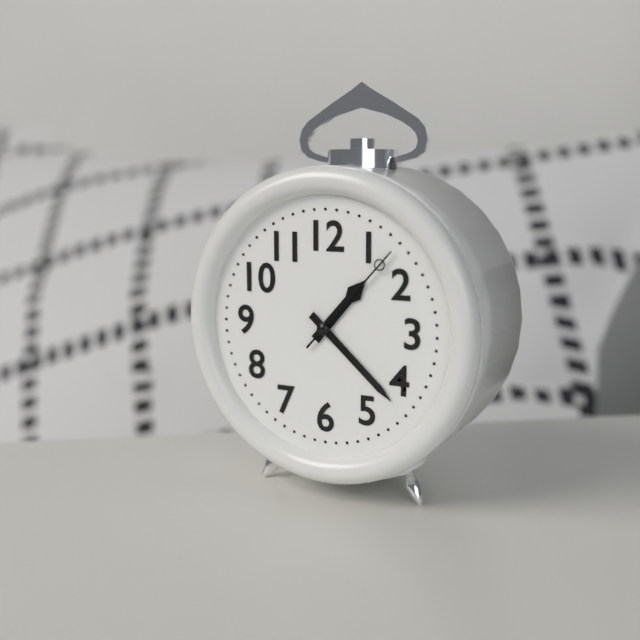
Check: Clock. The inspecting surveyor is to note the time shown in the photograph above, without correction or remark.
1:22:07
